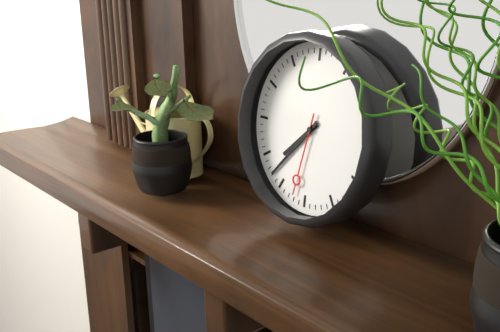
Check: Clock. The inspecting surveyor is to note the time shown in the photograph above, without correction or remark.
7:37:32
